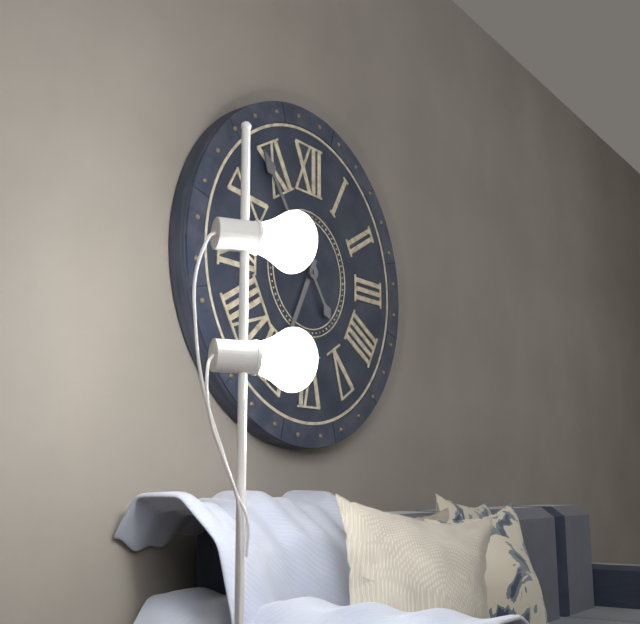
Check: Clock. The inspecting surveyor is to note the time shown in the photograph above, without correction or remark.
6:54
